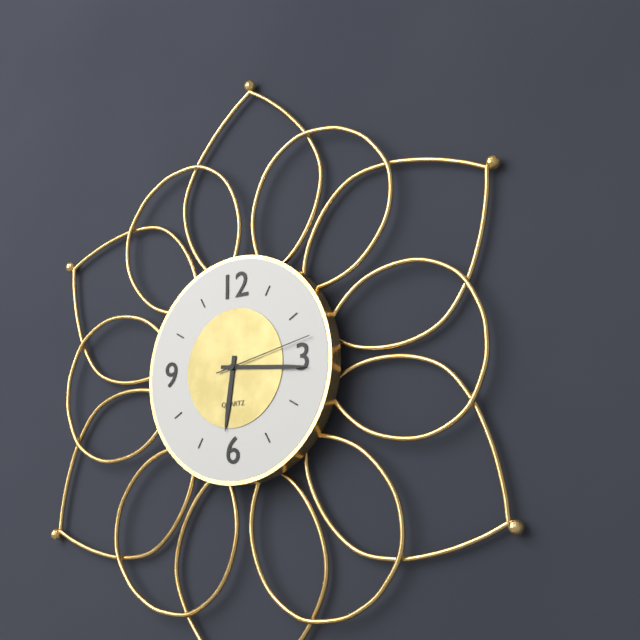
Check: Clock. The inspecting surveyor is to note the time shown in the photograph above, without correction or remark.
6:16:13
